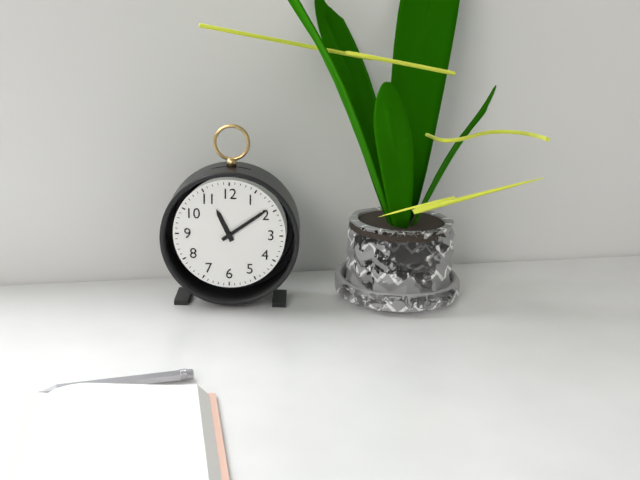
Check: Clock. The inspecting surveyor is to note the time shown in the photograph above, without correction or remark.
11:09
